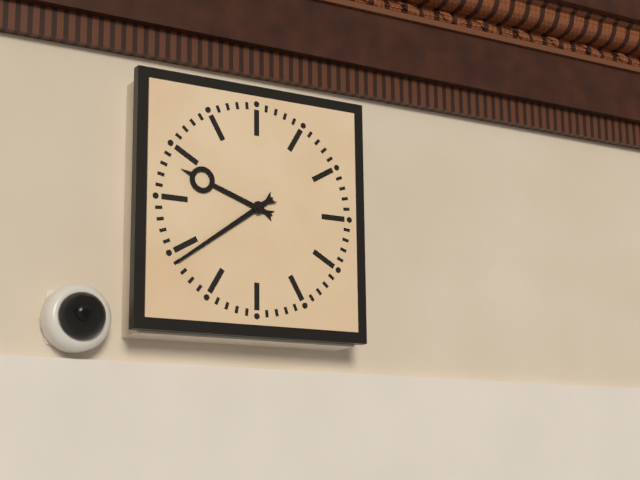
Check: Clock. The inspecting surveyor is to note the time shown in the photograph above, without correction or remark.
9:39
